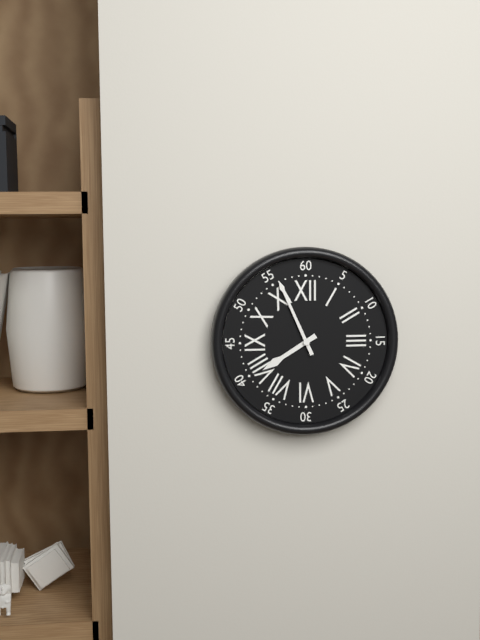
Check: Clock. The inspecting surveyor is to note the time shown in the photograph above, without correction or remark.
7:56
